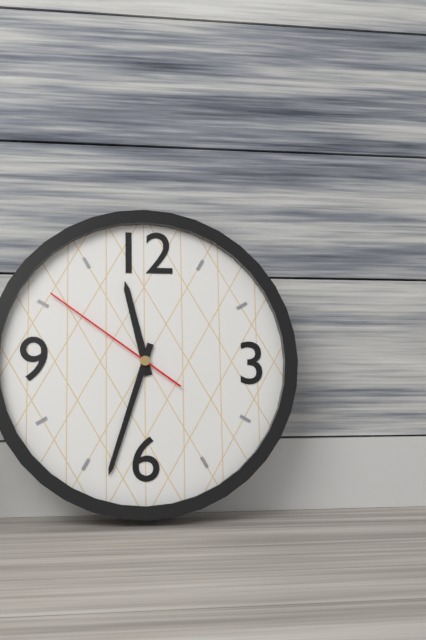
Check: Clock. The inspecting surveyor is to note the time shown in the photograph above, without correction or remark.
11:33:51
